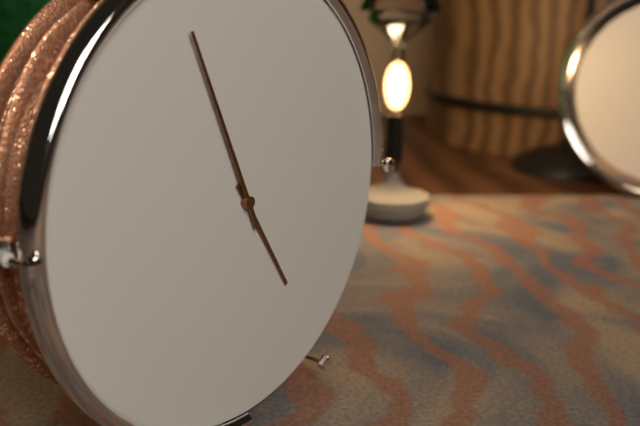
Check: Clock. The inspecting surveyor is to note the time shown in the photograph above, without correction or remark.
4:56
